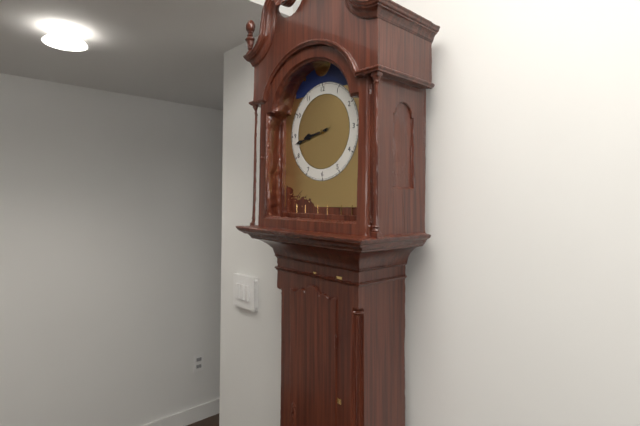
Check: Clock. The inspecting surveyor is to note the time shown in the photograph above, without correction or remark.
8:43
